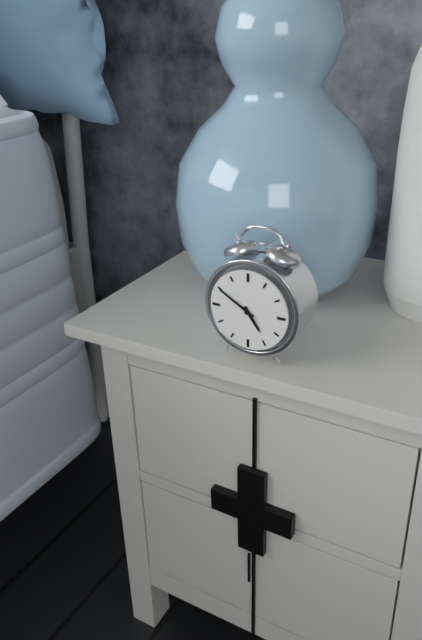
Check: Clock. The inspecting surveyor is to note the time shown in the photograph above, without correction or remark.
4:50
